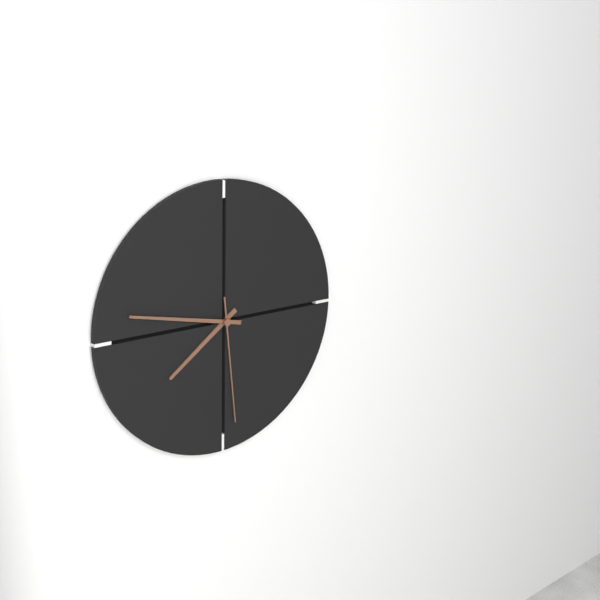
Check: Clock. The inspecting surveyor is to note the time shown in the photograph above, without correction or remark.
7:47:29
